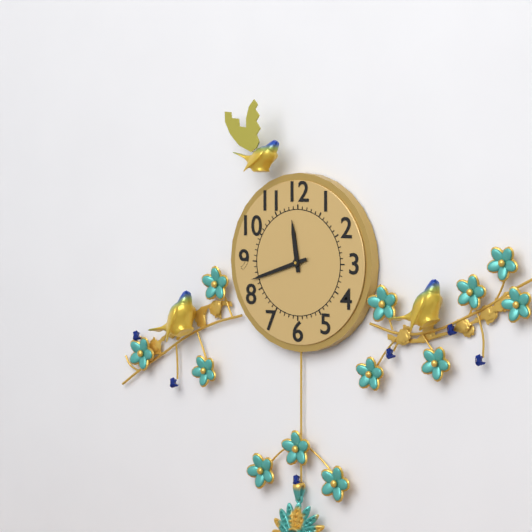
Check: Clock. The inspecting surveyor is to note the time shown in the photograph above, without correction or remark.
11:42
